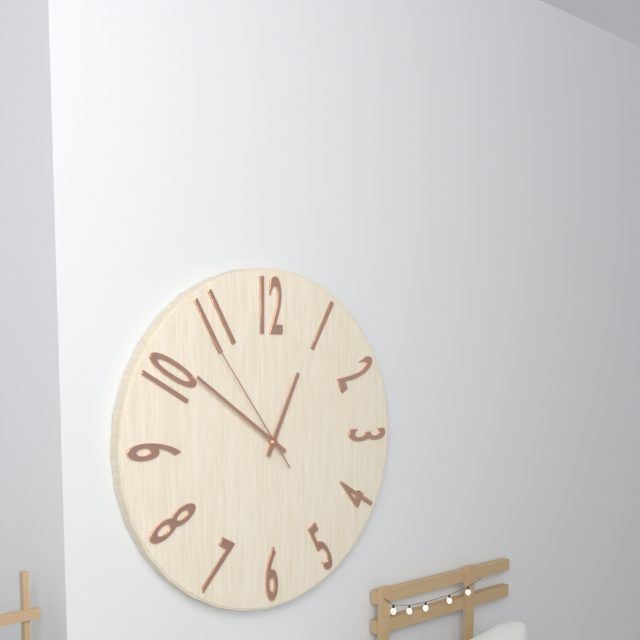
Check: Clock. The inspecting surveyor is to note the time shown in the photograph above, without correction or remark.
12:51:54
